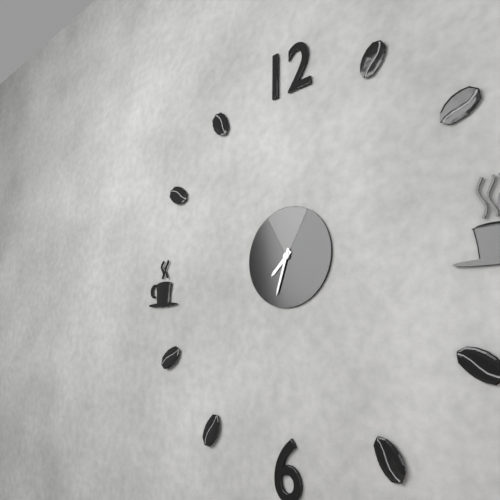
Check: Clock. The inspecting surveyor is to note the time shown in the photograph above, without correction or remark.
7:33
